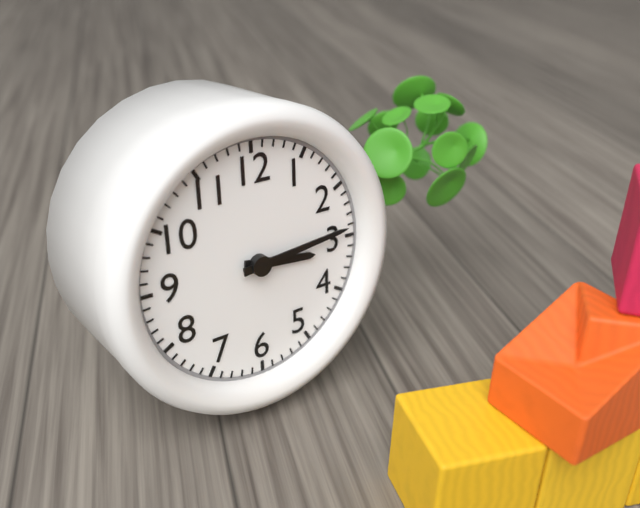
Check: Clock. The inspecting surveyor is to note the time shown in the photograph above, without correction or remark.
3:14
